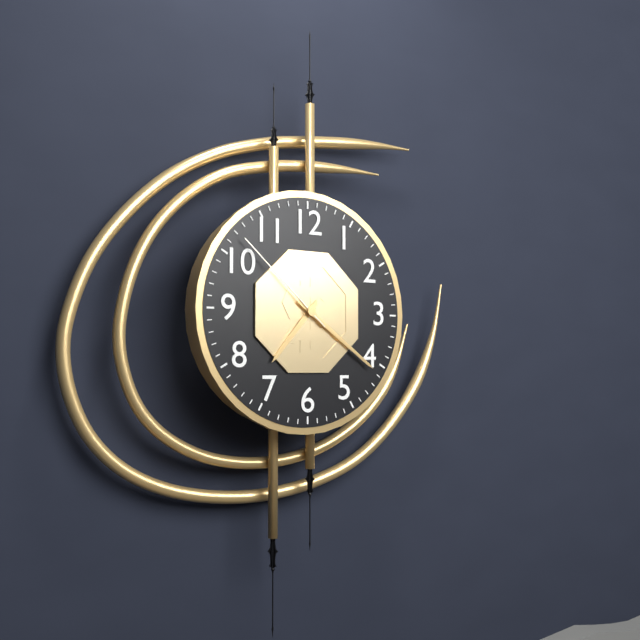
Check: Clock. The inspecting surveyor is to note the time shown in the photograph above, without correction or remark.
7:21:52
